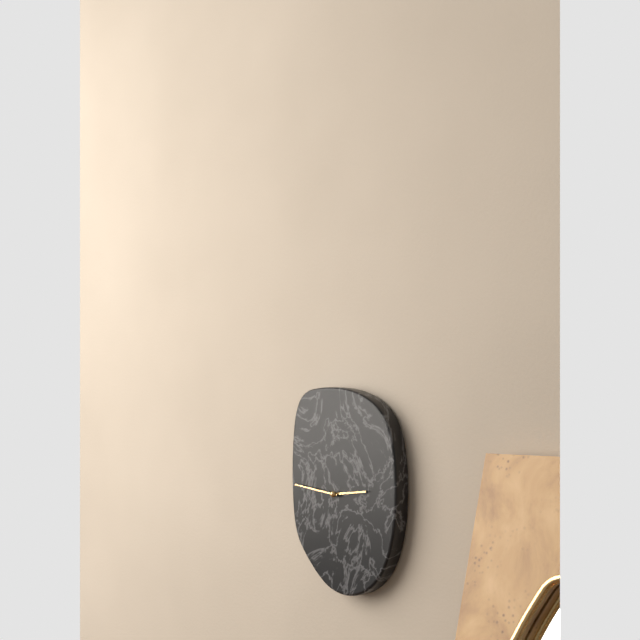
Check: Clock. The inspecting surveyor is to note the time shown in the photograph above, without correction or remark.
2:46
